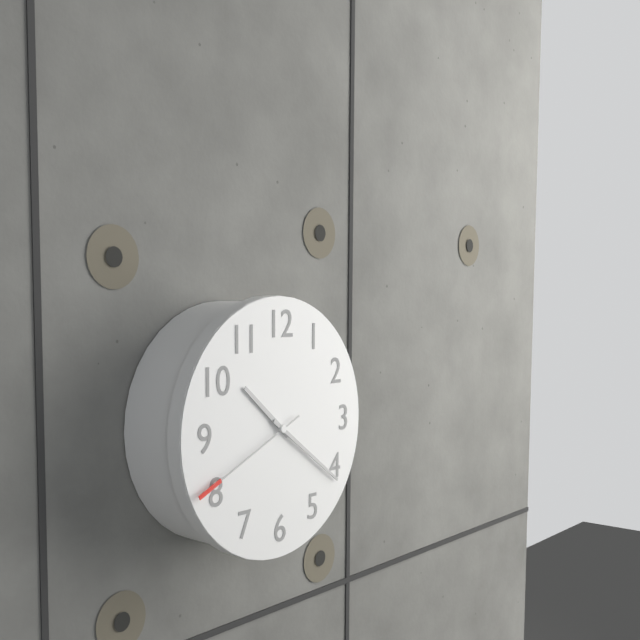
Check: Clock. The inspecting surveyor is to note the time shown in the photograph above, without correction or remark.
10:21:41
